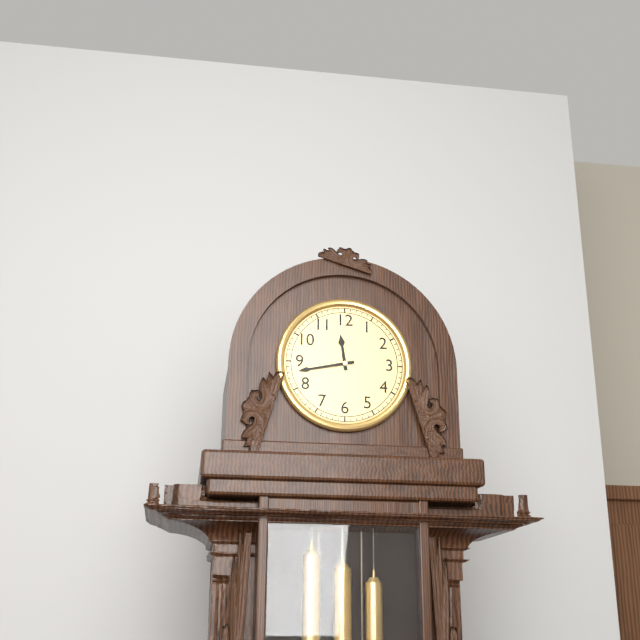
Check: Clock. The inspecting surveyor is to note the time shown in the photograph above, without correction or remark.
11:43
